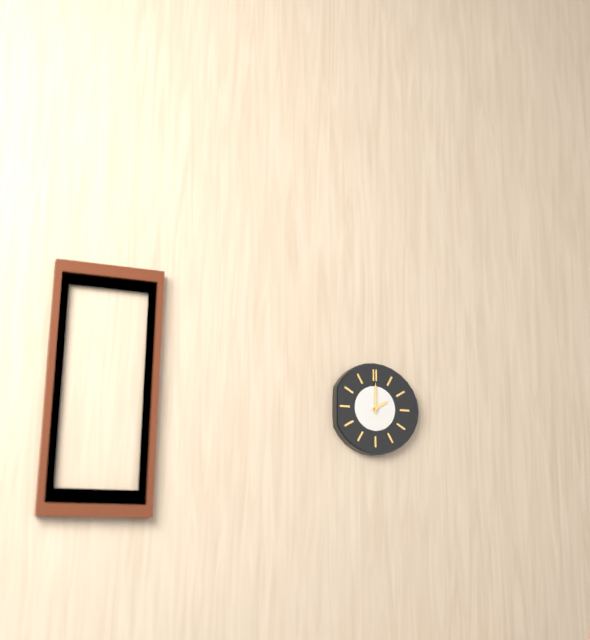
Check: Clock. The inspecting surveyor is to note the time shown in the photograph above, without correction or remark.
2:00
